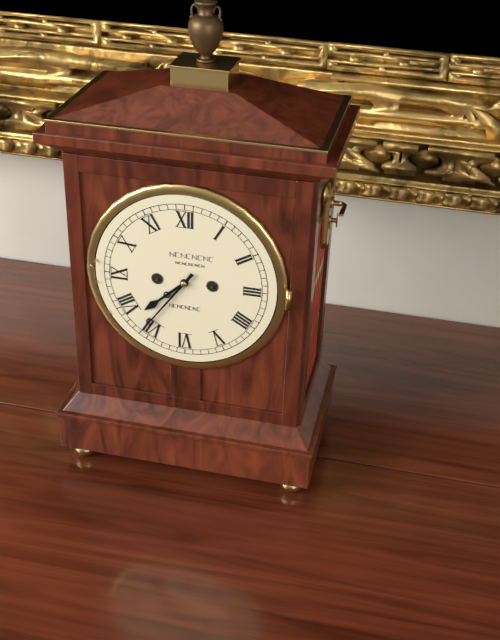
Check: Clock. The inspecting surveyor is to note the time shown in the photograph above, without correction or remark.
7:36
